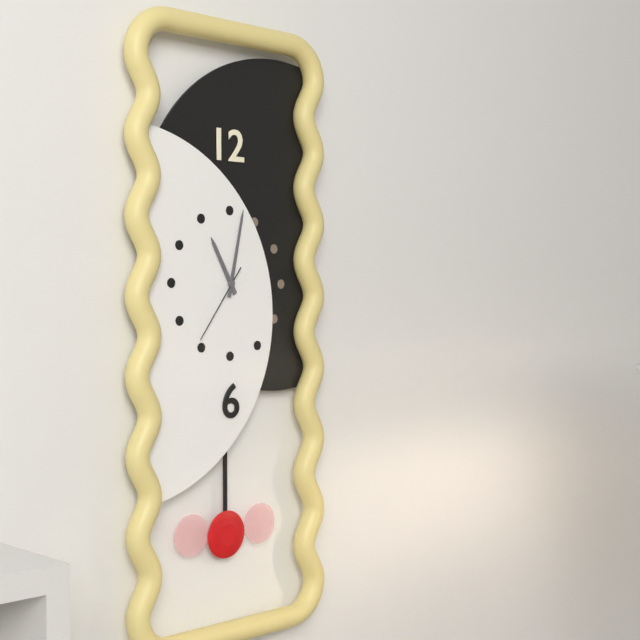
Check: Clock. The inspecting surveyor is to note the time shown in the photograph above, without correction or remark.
11:02:36
